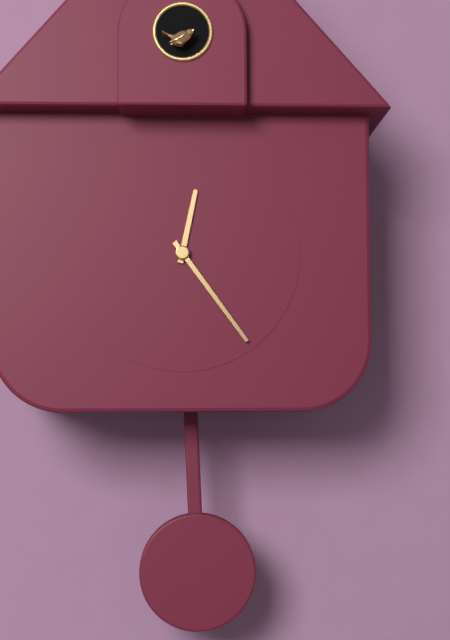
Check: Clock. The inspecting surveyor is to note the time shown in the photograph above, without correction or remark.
12:24
